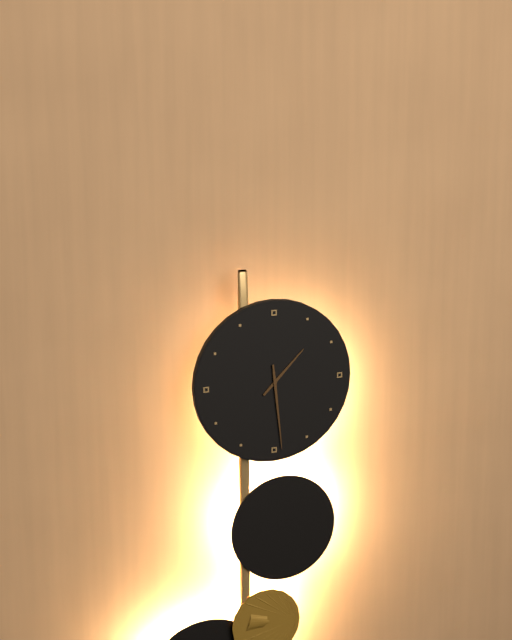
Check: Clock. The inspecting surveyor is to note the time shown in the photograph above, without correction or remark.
1:29
